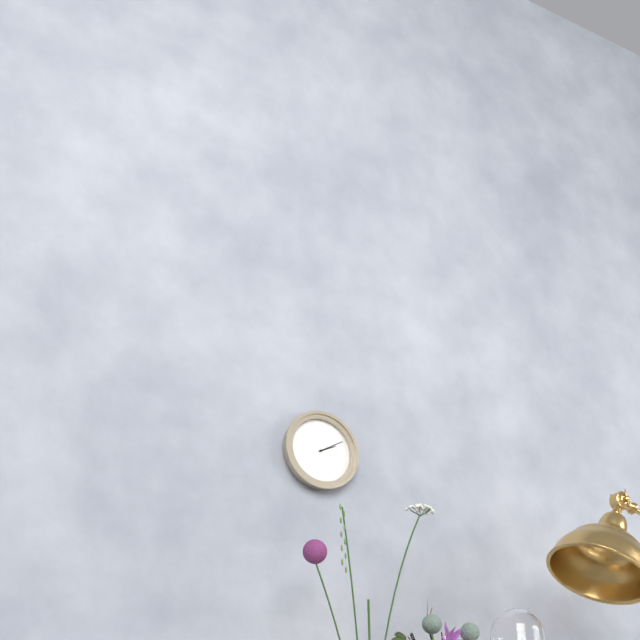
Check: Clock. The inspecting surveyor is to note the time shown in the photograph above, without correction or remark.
2:10
